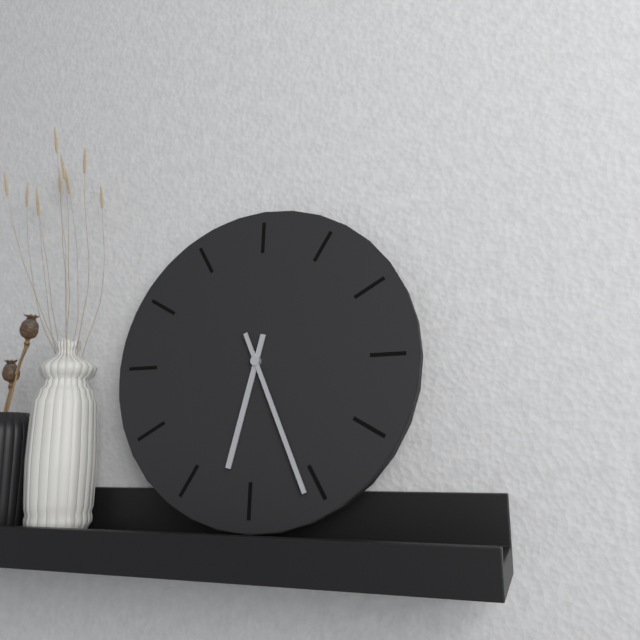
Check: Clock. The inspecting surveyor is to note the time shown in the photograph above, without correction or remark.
6:26
